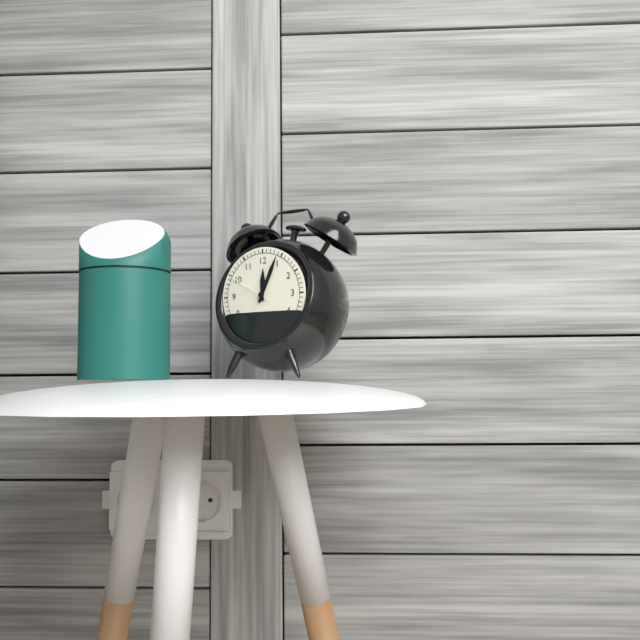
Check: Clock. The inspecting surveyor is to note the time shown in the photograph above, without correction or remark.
12:04
